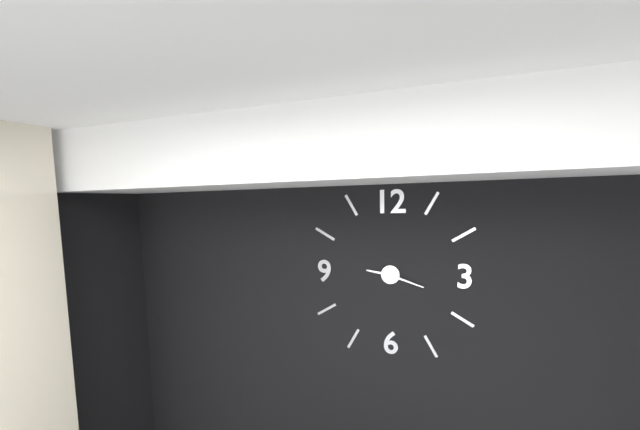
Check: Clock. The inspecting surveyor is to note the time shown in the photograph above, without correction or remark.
9:18
